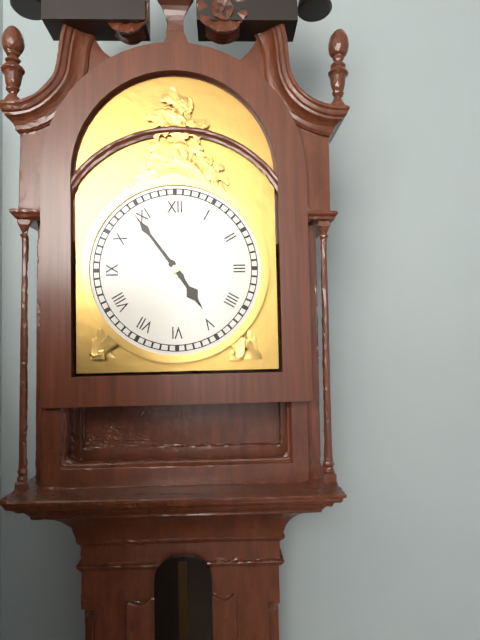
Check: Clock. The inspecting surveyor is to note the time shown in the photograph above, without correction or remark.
4:54
